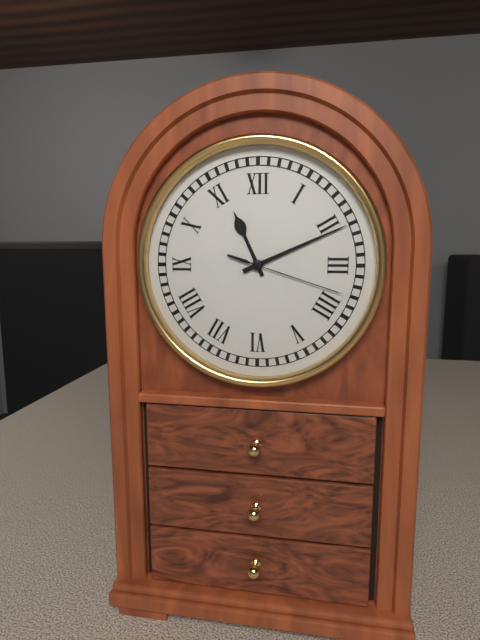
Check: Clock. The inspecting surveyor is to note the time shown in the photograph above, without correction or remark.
11:11:18
